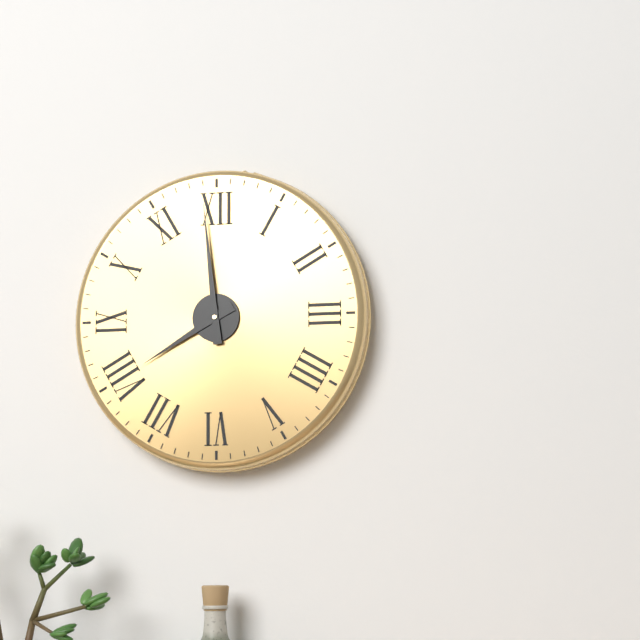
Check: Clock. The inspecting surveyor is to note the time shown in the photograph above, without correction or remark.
7:59
